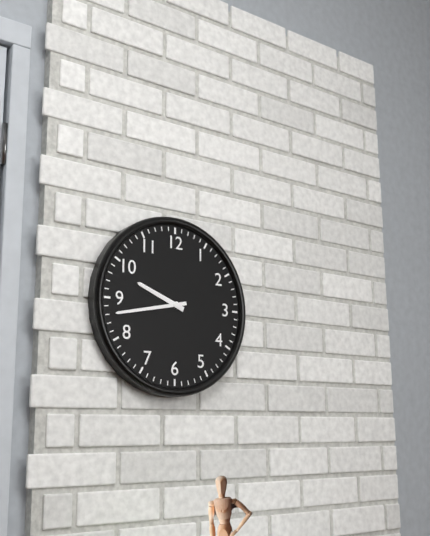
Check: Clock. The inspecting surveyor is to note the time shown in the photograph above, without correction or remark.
9:43
